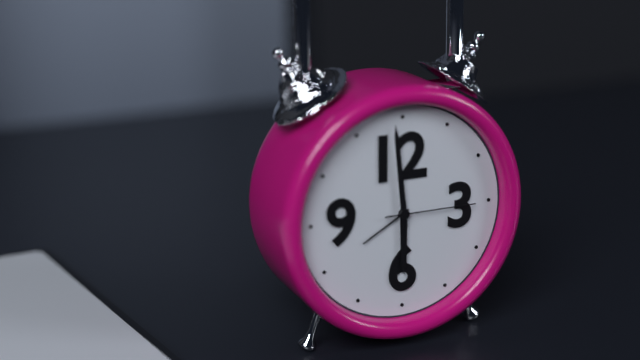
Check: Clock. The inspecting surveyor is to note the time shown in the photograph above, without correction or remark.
5:59:15
